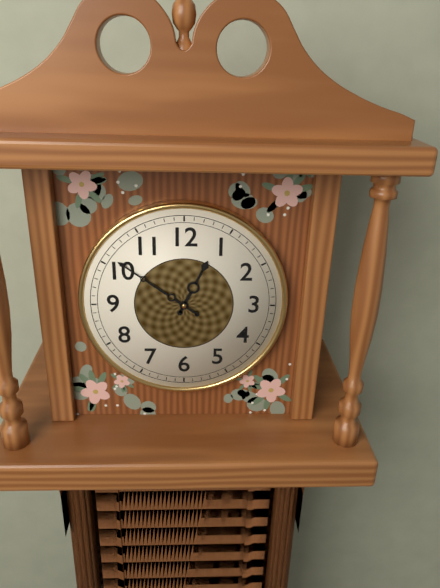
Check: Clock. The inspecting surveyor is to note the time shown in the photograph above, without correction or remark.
12:51
